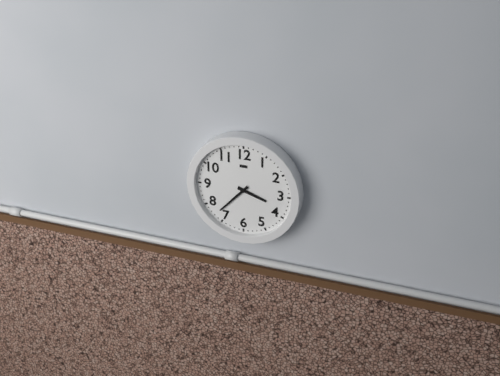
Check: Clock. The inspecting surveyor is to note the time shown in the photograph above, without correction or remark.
3:37
